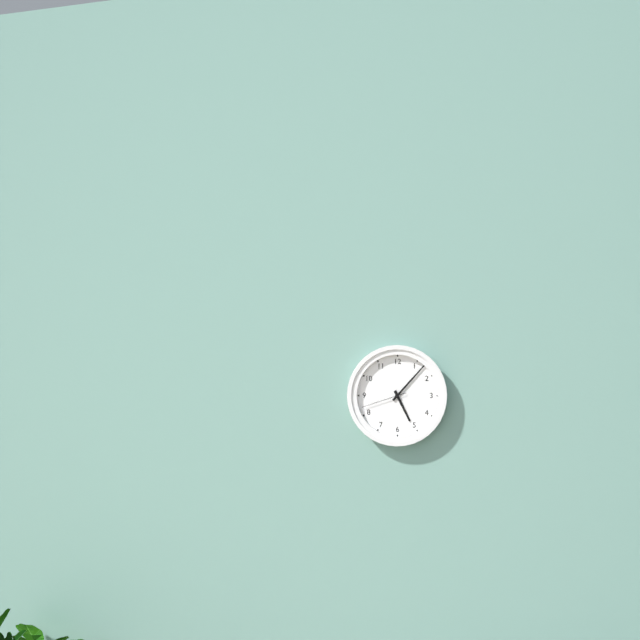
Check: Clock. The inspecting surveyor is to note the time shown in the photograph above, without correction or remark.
5:07
